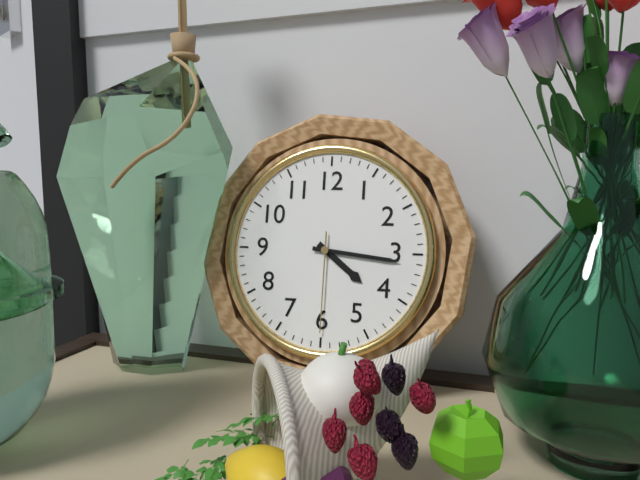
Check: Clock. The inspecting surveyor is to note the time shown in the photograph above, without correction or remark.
4:16:30
